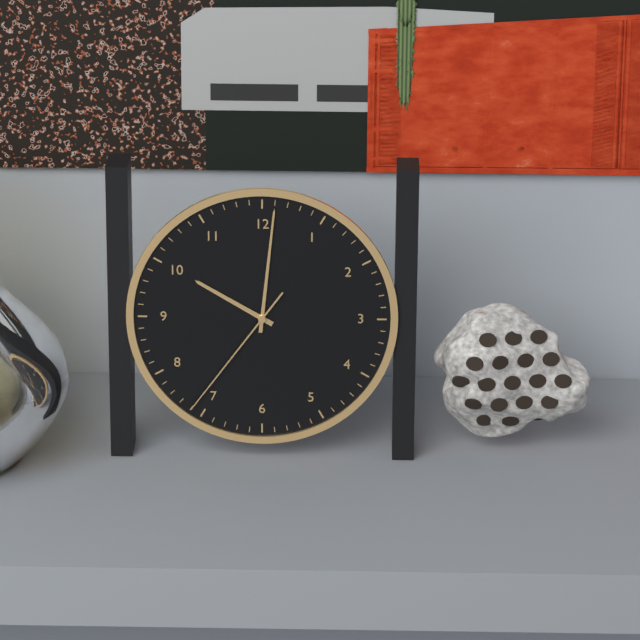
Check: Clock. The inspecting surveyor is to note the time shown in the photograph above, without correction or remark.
10:01:36
